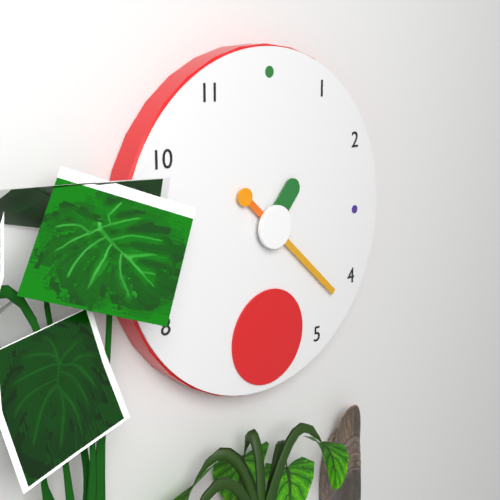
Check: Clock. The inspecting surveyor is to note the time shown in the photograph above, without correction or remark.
1:22
